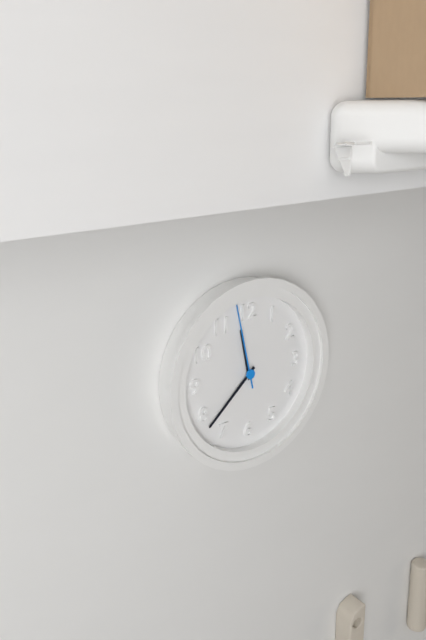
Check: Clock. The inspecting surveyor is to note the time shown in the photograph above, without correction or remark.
11:38:58
